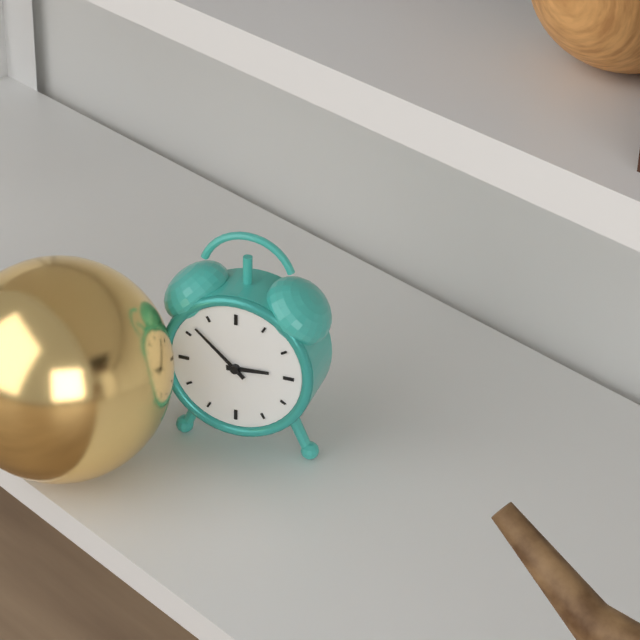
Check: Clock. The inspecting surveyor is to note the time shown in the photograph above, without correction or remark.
2:52
